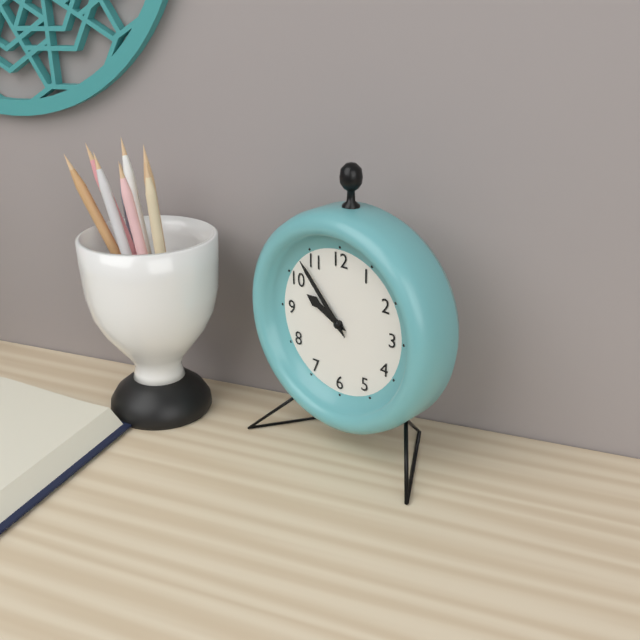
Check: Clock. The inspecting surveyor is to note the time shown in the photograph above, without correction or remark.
9:53
